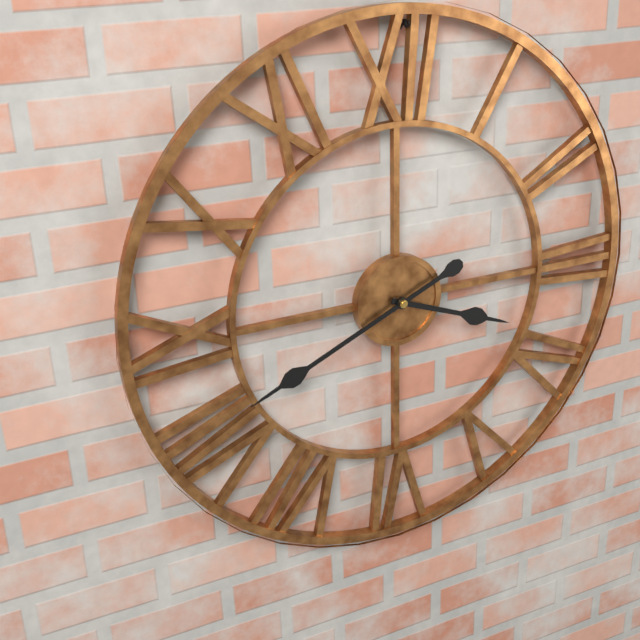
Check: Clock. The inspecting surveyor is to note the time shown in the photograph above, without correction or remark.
3:41
